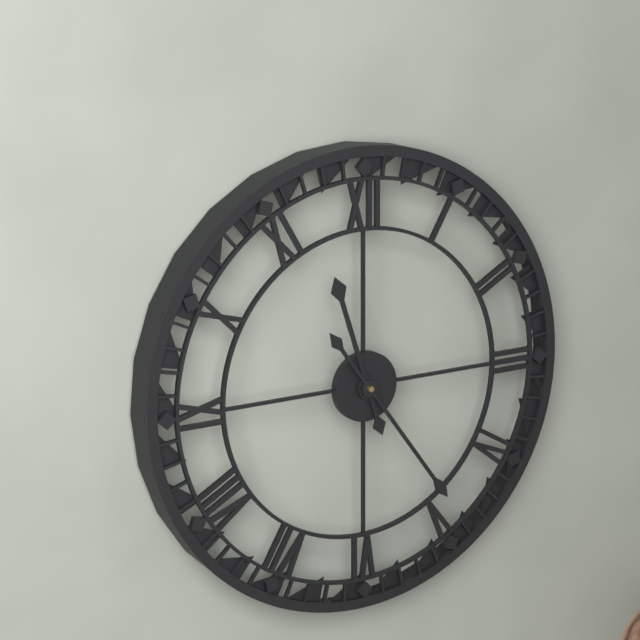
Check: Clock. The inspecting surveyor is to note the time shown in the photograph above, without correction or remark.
11:24
